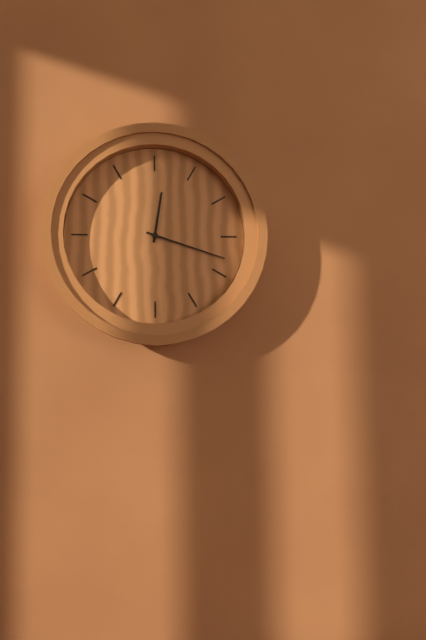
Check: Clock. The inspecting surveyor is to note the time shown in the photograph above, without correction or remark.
12:18
